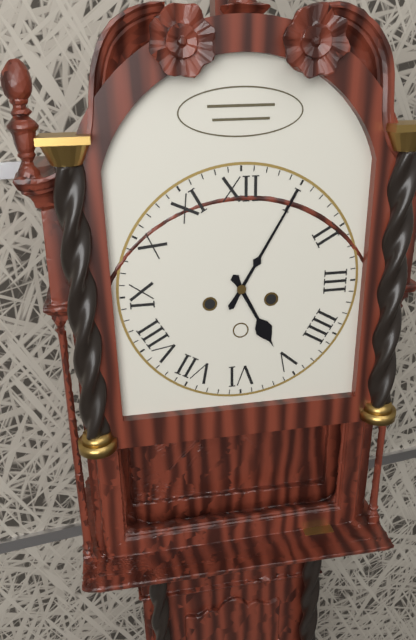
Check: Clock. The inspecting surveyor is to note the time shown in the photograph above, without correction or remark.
5:05
